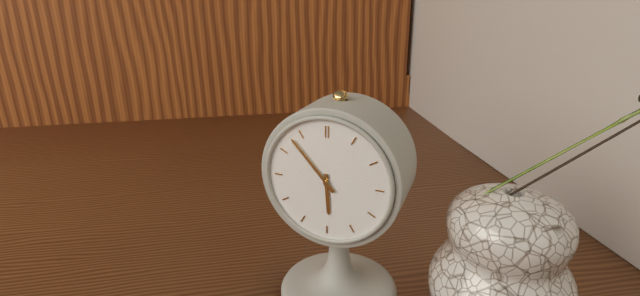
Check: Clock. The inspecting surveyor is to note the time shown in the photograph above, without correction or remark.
5:53
